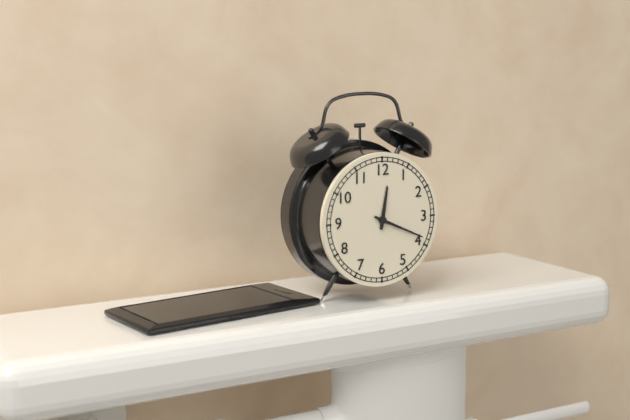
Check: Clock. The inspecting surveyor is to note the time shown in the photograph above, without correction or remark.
12:19
